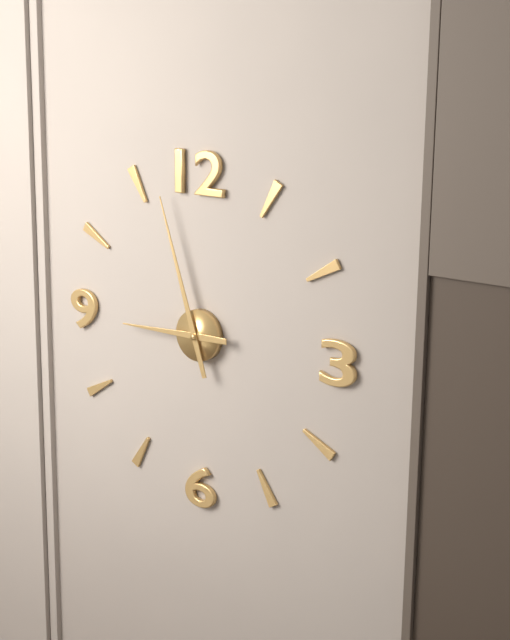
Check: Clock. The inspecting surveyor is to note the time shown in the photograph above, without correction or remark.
8:57
